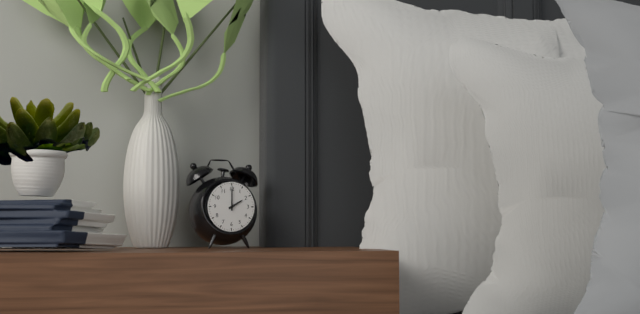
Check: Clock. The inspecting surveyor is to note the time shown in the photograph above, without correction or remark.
2:00
